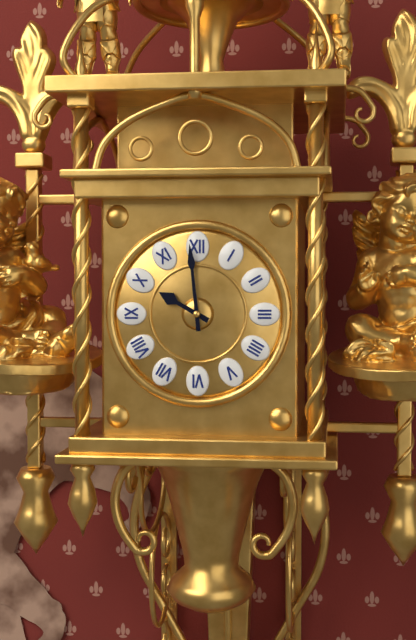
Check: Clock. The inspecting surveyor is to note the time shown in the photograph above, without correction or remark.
9:59
